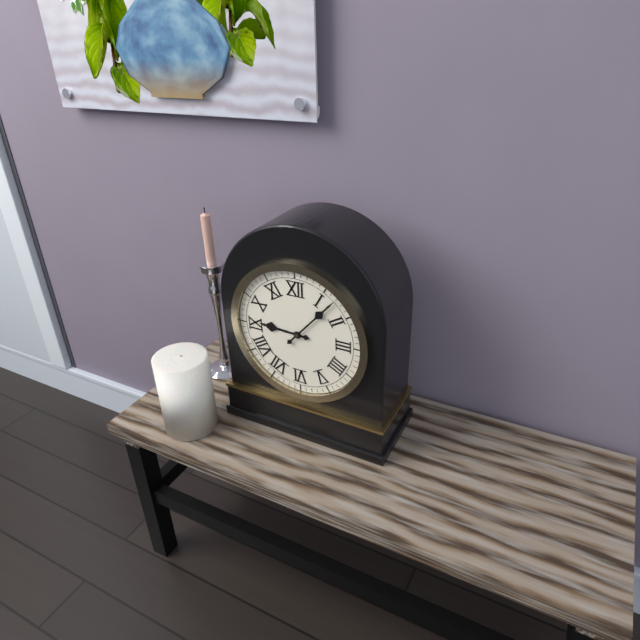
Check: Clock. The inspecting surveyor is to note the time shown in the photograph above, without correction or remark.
9:07
